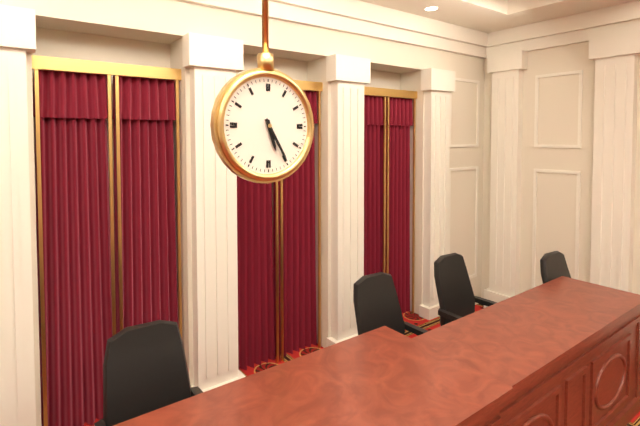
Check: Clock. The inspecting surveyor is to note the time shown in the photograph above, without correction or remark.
5:25
